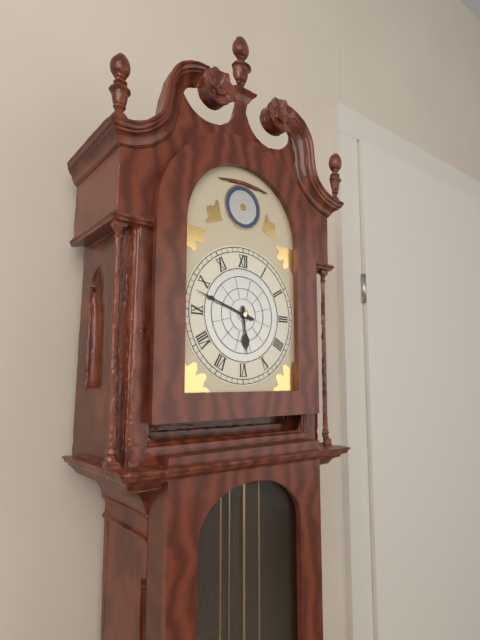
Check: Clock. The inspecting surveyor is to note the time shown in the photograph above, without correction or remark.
5:48
